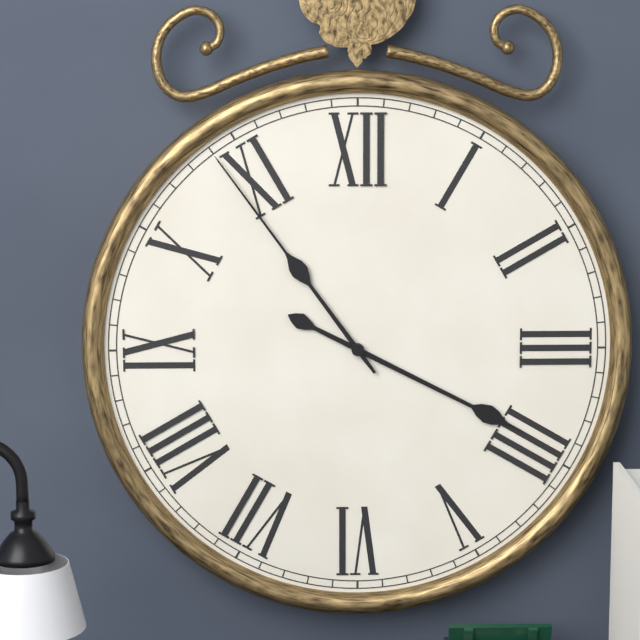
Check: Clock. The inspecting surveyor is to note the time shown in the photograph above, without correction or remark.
3:54
